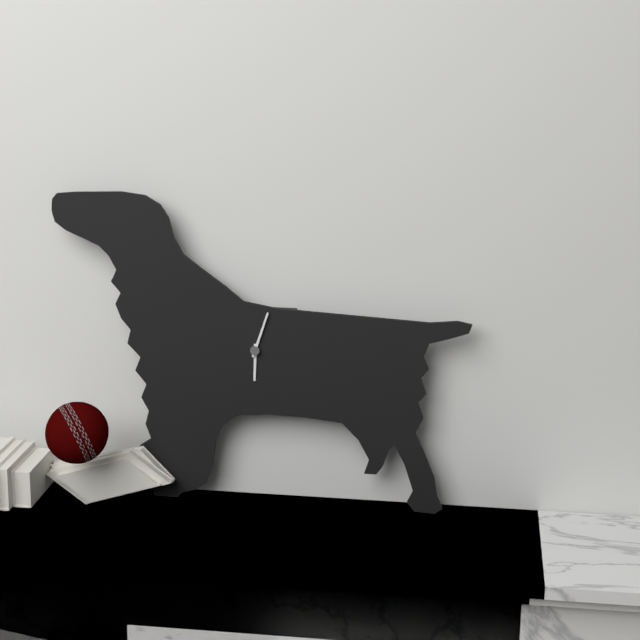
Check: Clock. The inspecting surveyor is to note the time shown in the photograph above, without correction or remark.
6:03
